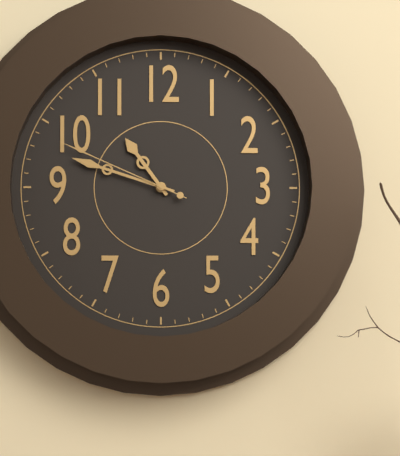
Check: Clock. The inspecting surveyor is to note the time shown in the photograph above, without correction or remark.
10:48:49
